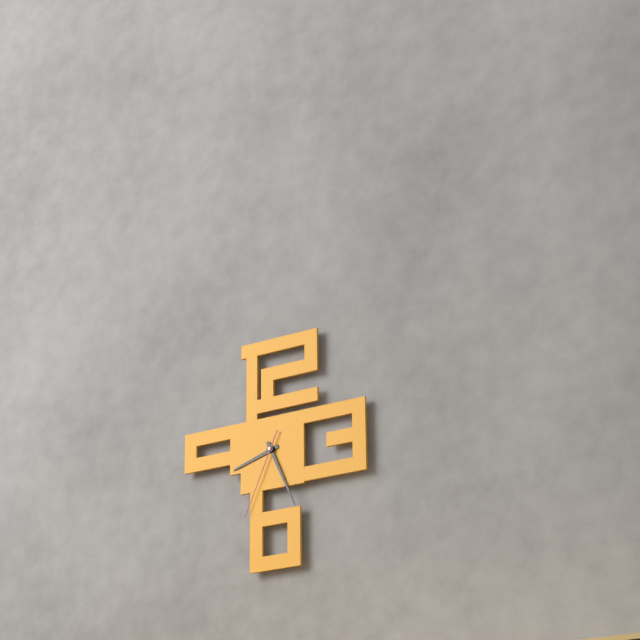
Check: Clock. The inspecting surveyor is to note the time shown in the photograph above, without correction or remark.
8:26:34
